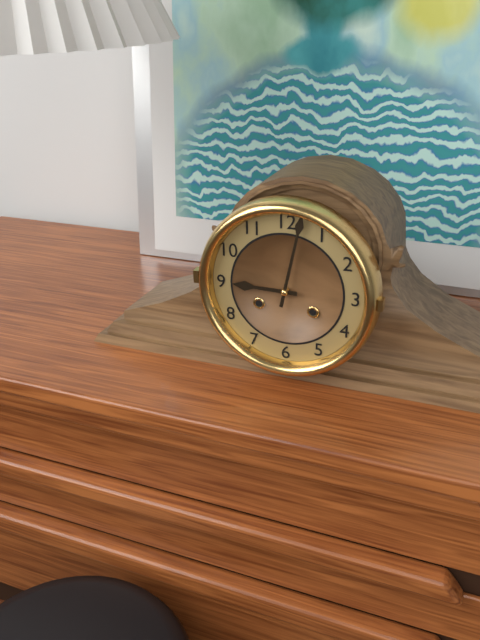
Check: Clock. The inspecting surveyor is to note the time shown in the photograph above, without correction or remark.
9:02
